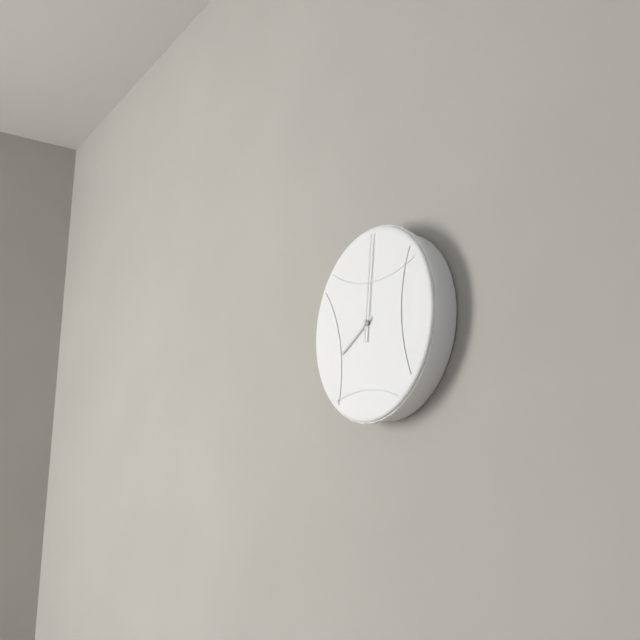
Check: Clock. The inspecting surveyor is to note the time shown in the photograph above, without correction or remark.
8:01
